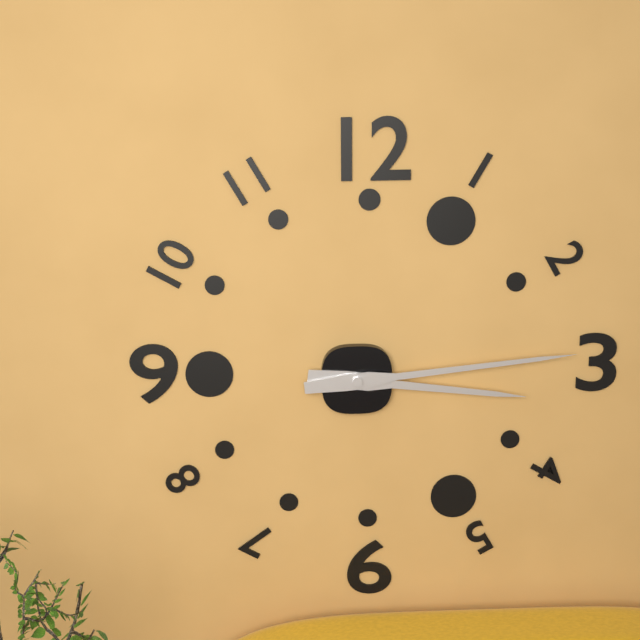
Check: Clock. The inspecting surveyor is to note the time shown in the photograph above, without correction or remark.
3:14
